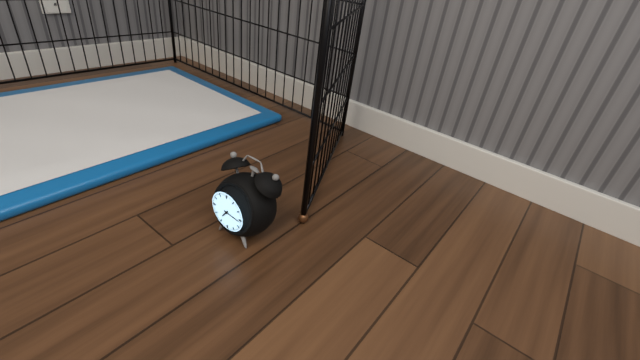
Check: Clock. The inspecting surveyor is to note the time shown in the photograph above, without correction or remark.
7:16
